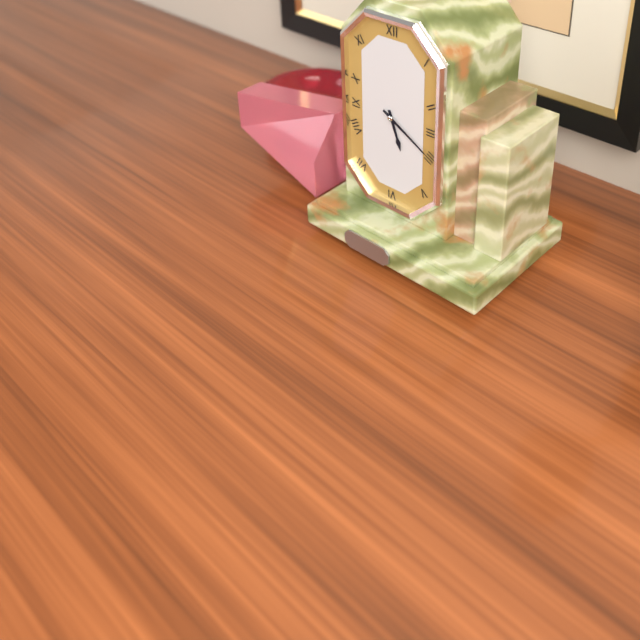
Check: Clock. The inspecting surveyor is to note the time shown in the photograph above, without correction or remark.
5:20
